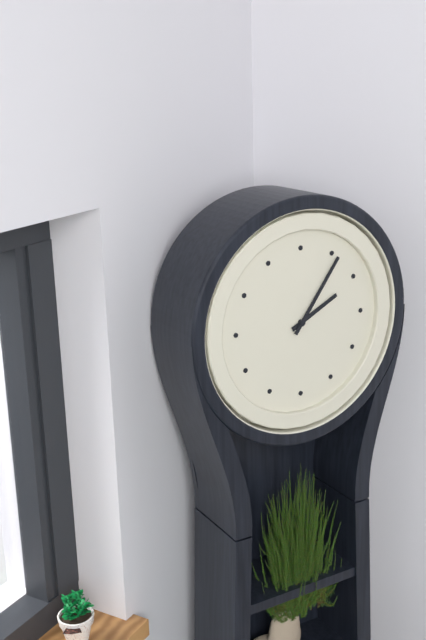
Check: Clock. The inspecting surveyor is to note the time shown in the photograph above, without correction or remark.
2:06
